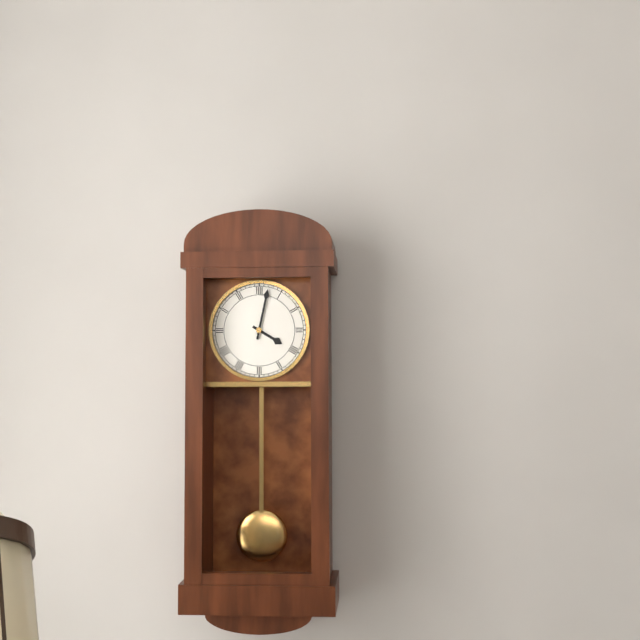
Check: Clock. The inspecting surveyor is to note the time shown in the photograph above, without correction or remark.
4:02
